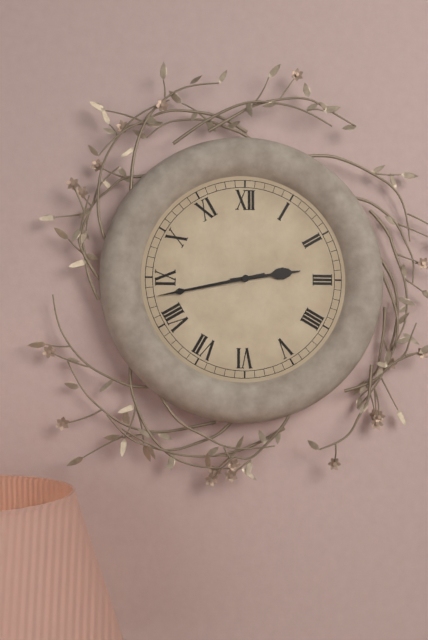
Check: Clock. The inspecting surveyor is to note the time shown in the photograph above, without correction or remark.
2:43
